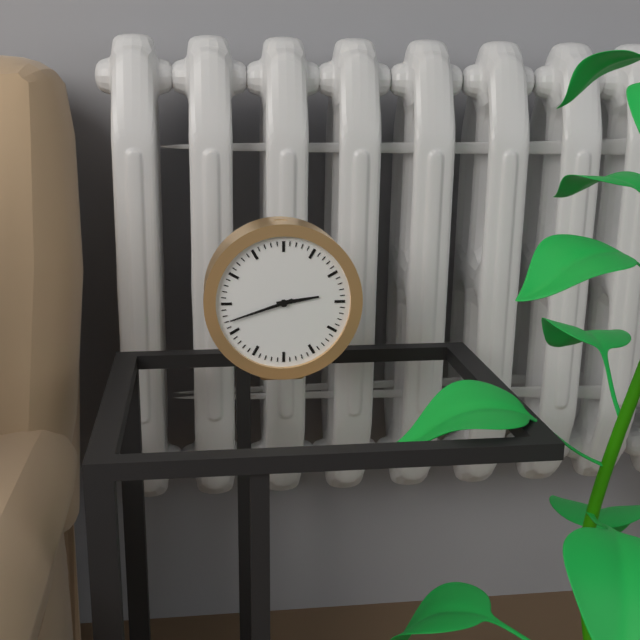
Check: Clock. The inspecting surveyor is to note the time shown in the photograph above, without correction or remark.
2:42
